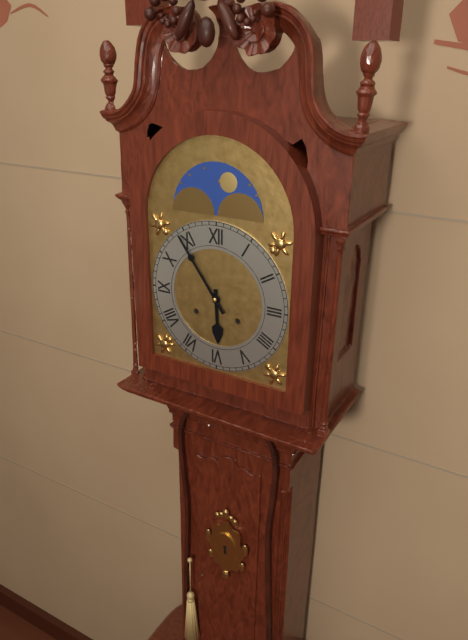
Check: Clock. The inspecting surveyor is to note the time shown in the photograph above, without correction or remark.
5:54
